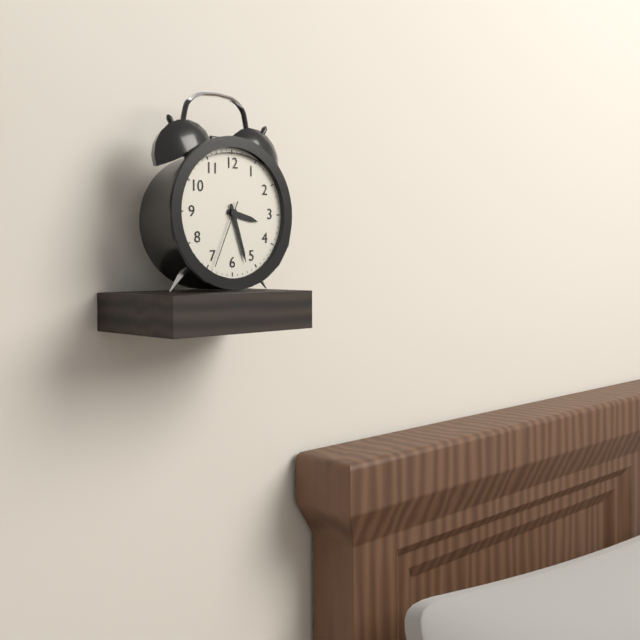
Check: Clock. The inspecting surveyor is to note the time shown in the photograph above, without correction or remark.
3:27:34
